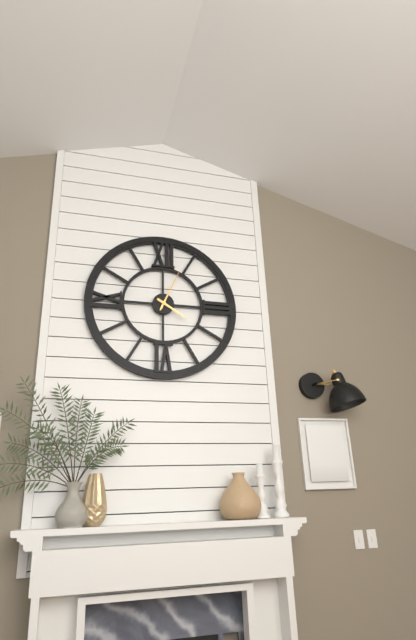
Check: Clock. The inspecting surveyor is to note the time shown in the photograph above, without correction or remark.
4:04
